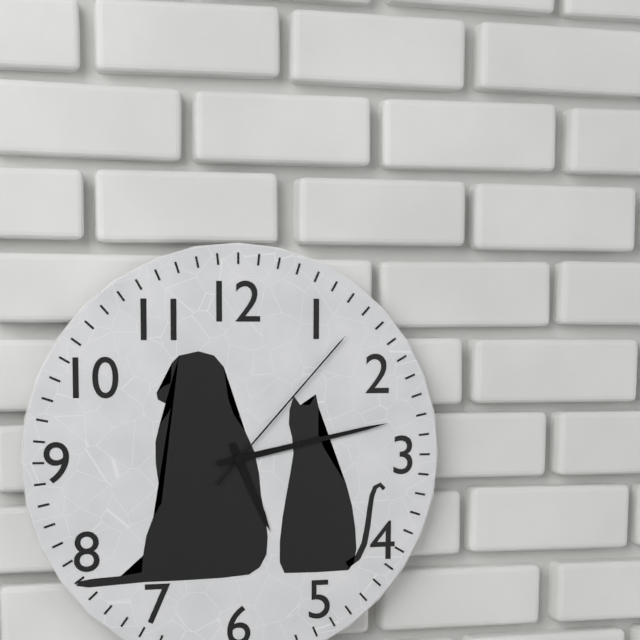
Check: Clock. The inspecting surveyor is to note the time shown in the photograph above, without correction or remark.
5:13:07
